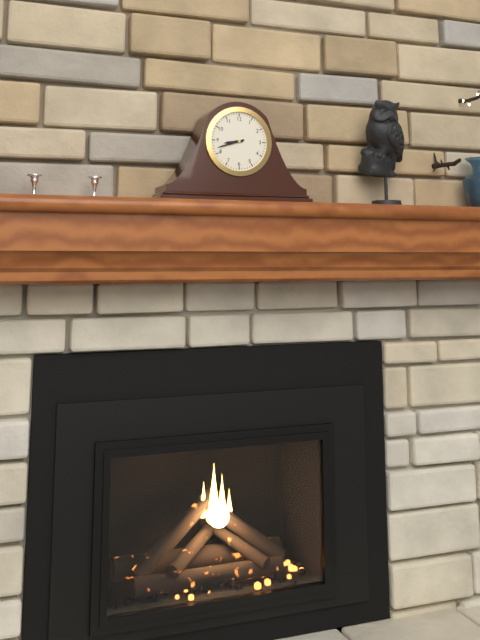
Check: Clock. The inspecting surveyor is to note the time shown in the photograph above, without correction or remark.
8:42
